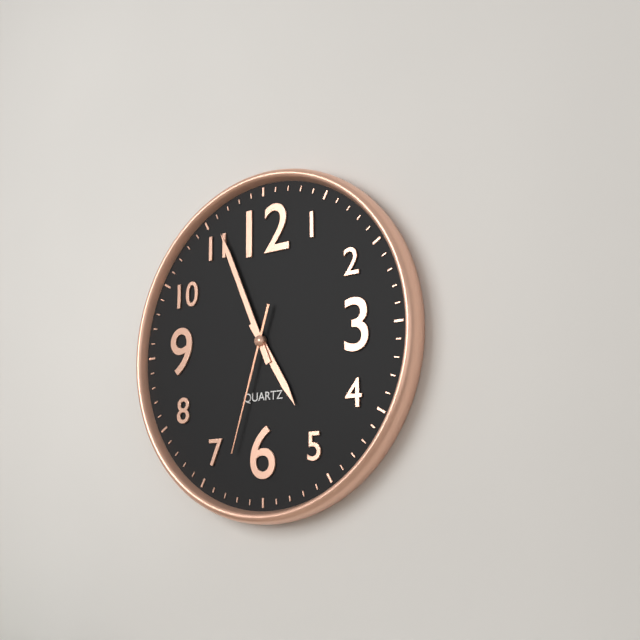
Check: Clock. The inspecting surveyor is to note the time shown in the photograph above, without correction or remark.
4:56:33
